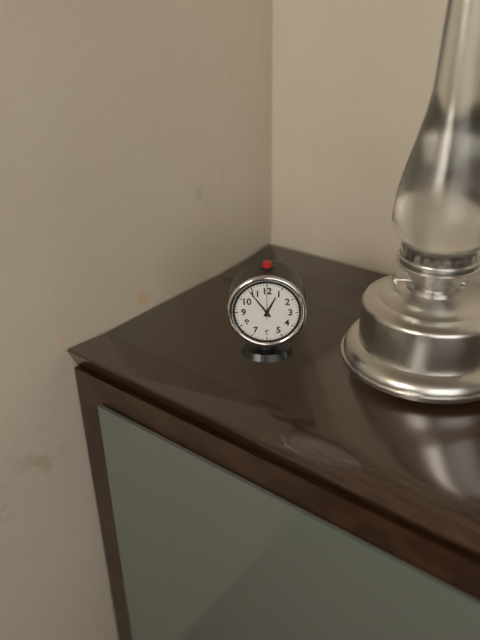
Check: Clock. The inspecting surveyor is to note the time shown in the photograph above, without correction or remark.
12:54
